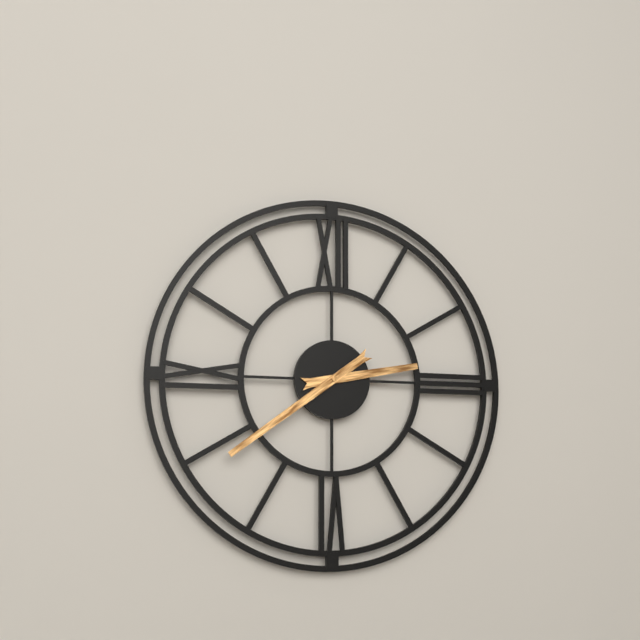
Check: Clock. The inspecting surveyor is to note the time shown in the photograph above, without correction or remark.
2:39
